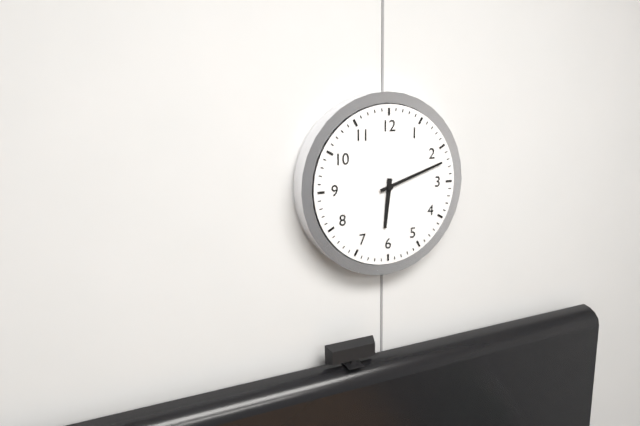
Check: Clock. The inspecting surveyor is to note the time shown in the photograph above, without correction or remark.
6:12
